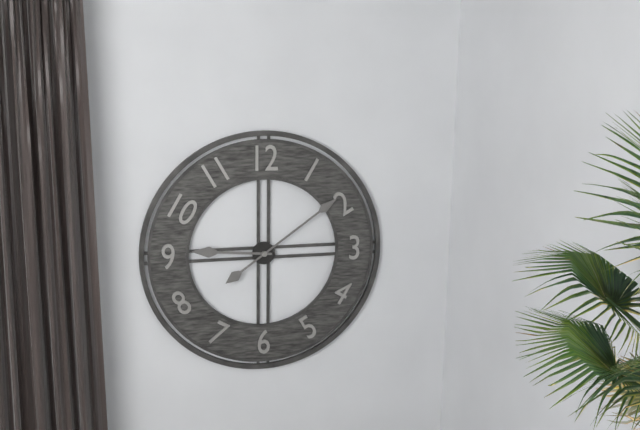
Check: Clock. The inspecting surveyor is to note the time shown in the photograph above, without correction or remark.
9:09
